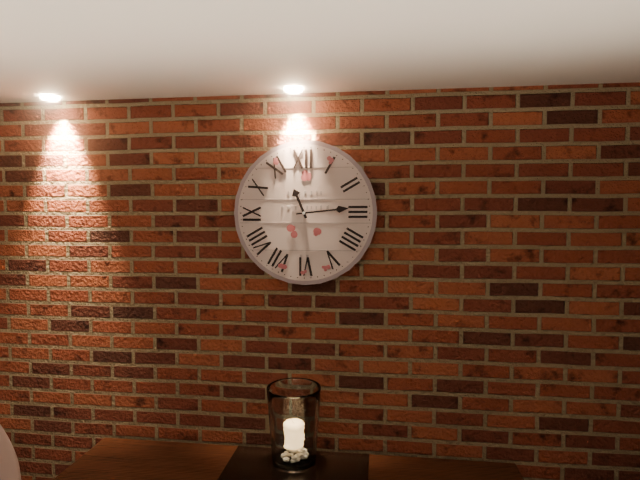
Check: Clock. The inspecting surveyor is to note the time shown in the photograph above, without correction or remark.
11:14
